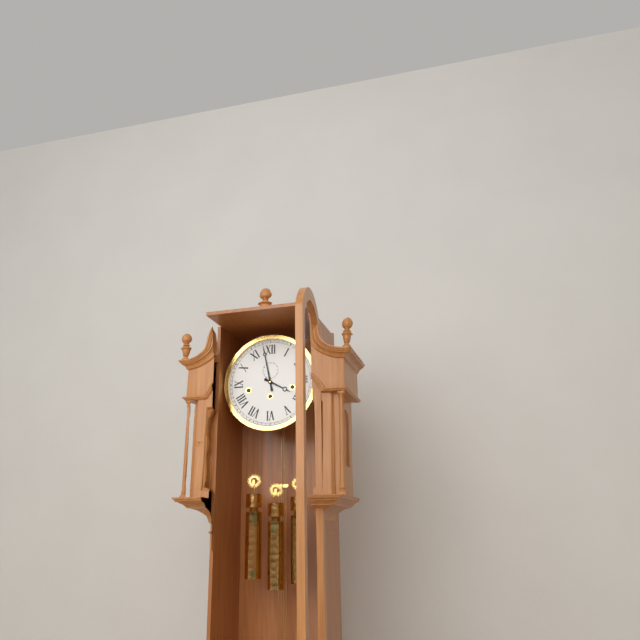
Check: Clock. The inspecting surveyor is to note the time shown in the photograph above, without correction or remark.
3:58
